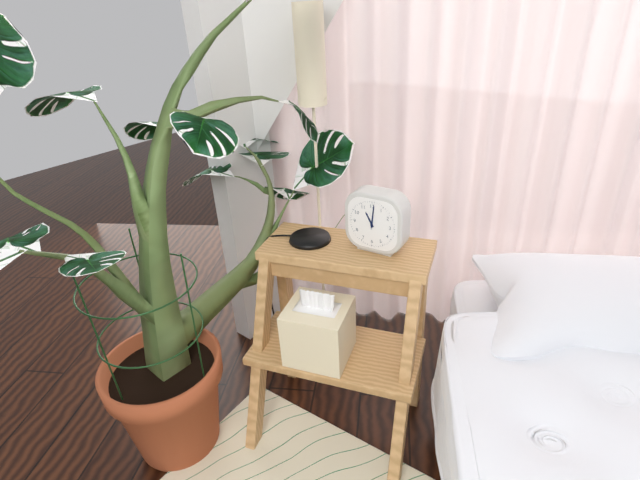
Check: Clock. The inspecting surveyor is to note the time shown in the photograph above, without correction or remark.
11:01
